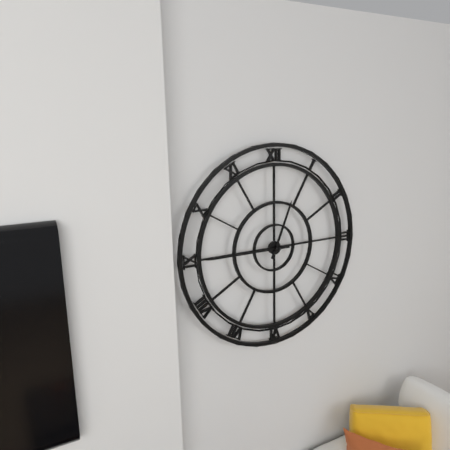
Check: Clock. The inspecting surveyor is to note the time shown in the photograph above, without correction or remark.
12:45
